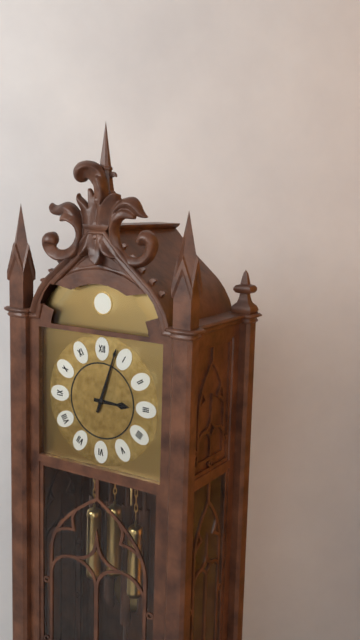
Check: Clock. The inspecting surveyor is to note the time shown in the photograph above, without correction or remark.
3:03
